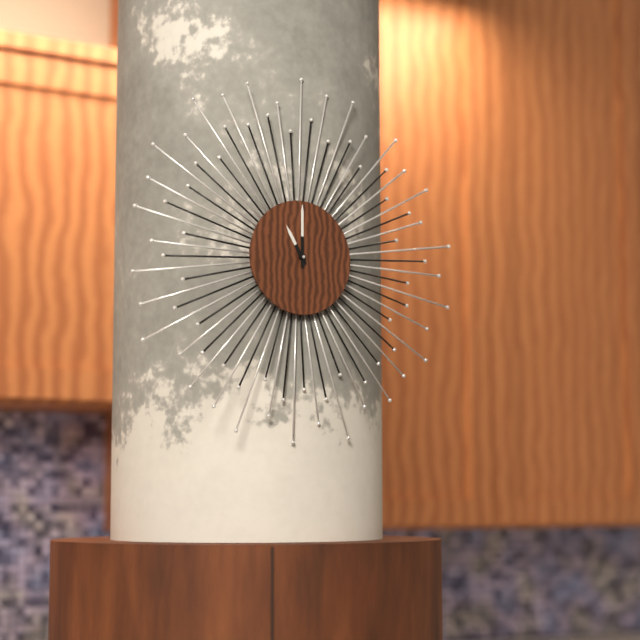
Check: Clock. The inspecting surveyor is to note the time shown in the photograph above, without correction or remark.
11:00
